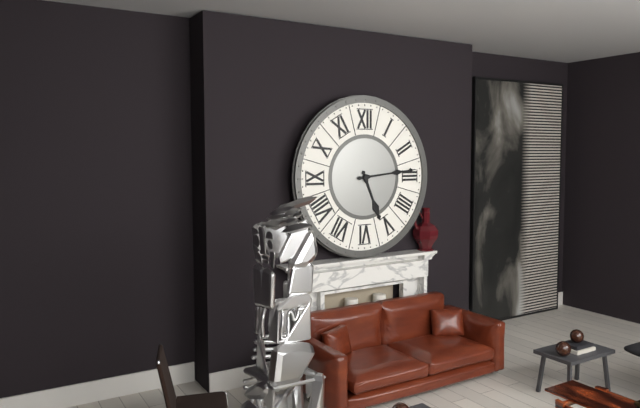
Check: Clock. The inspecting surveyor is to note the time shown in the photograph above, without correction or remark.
5:14
